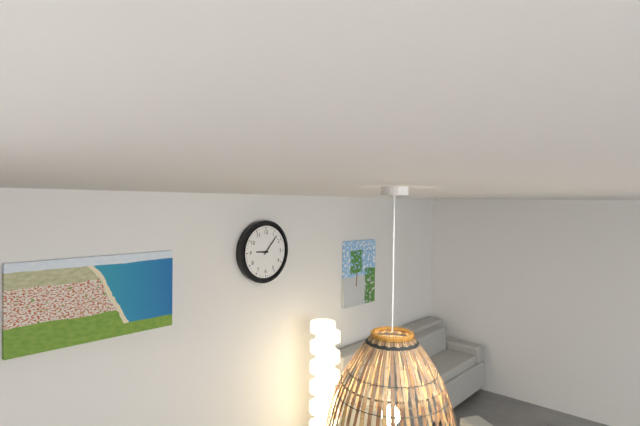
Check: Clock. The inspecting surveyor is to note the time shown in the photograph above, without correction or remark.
9:07
